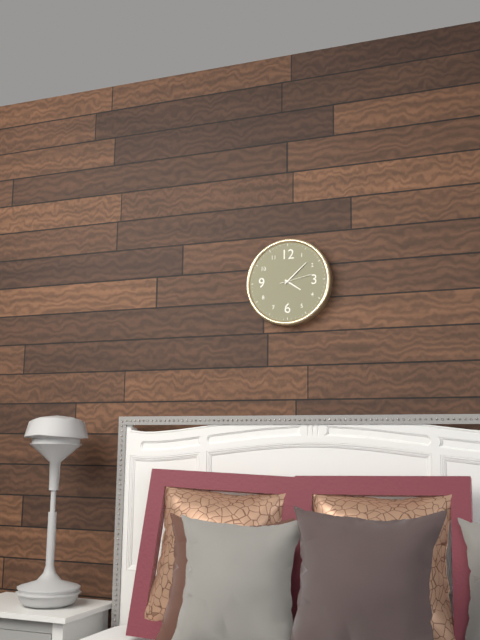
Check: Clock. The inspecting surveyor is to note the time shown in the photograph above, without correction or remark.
4:08
